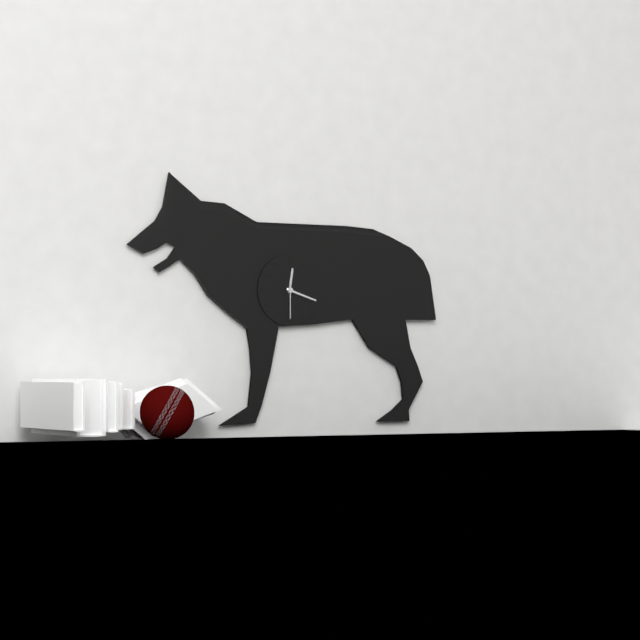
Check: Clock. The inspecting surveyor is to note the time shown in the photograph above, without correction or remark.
12:18
